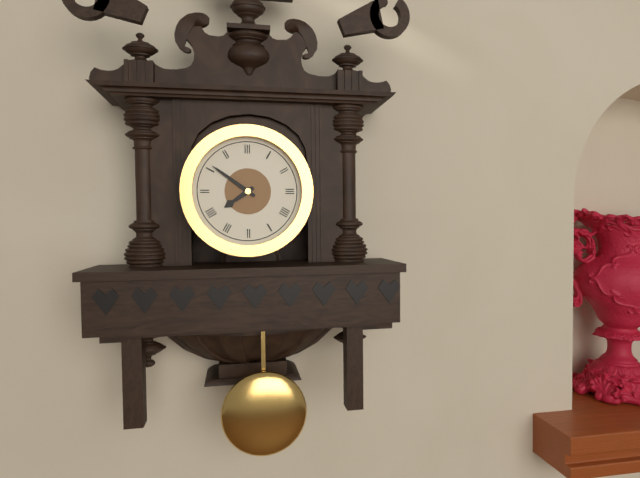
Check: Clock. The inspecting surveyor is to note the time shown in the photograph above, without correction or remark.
7:51
